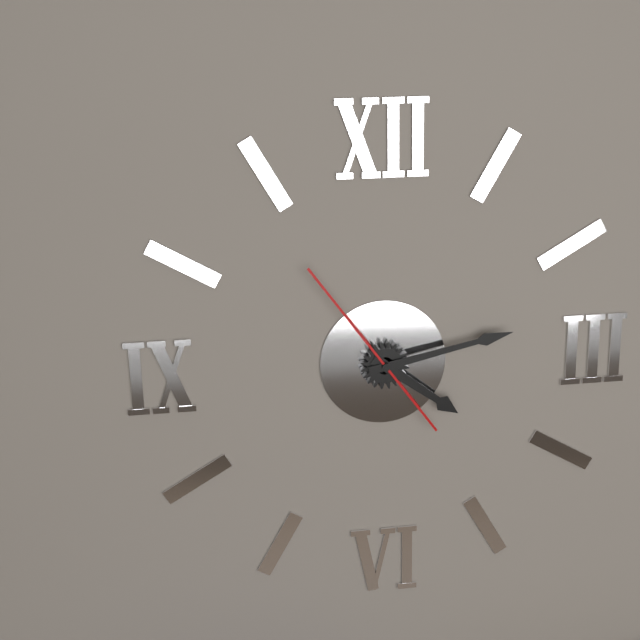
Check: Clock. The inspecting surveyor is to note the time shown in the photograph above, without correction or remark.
4:13:54
